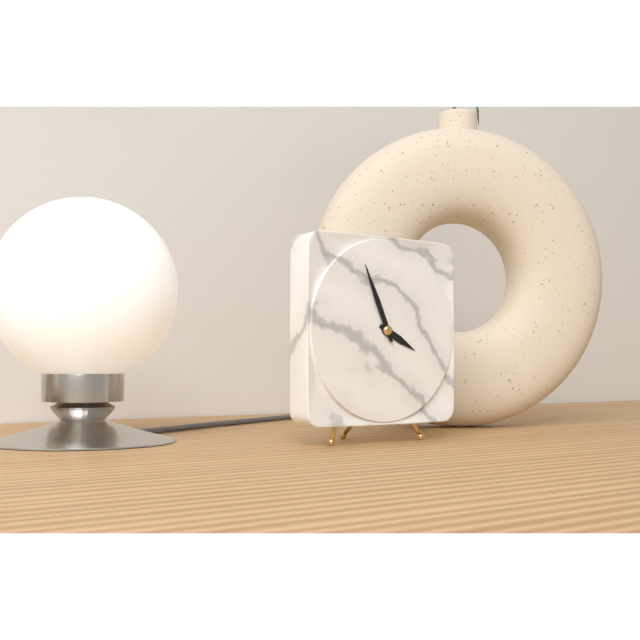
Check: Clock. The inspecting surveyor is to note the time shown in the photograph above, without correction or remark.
3:56
